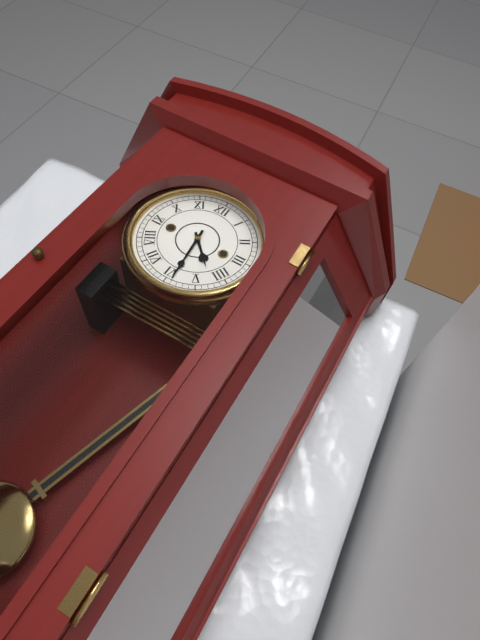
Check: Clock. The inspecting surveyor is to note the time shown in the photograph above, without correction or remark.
4:29
